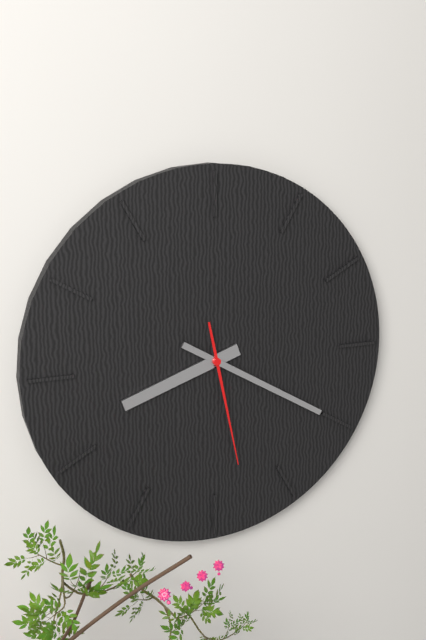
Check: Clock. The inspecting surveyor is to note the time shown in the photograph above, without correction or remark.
8:20:28
